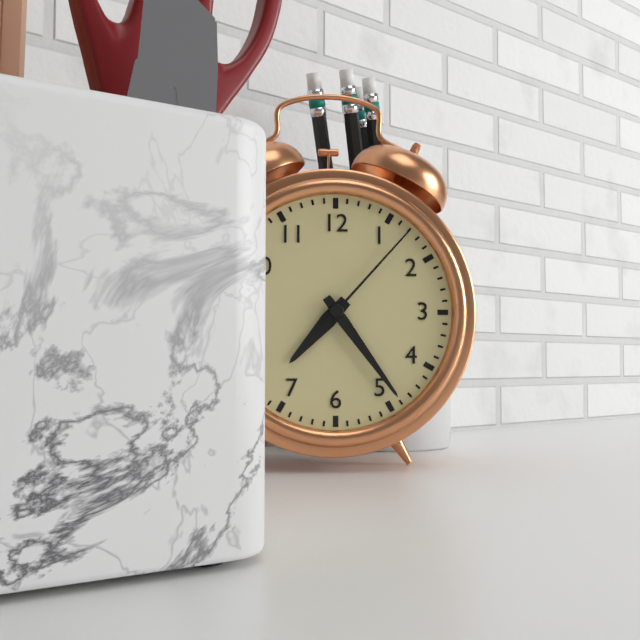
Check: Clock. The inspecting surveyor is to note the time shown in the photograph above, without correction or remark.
7:24:07
